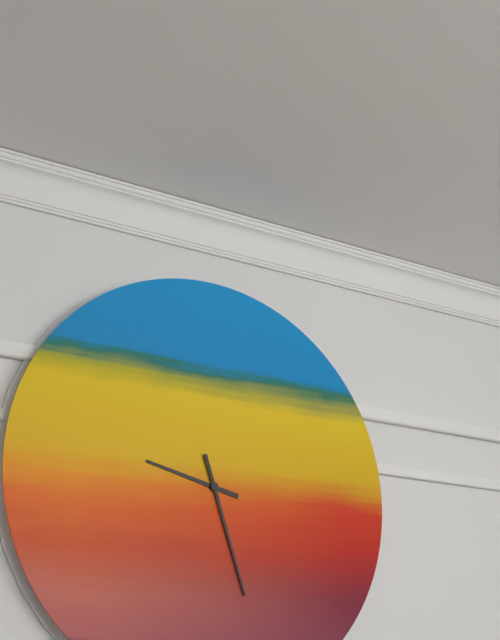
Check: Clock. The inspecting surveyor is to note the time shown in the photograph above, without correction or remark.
9:27
